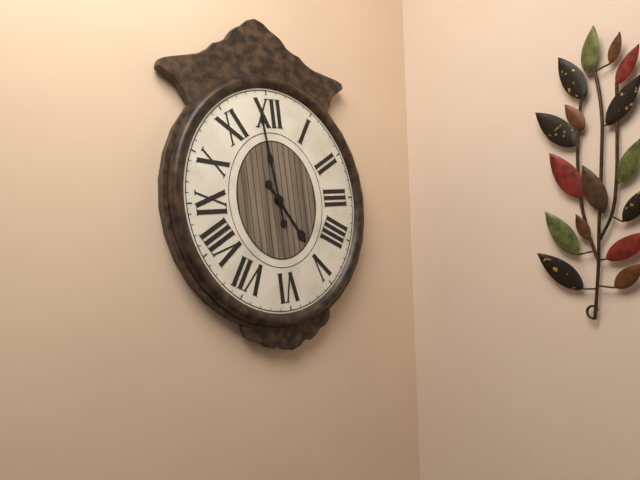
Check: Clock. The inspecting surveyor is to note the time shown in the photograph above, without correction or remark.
4:59
